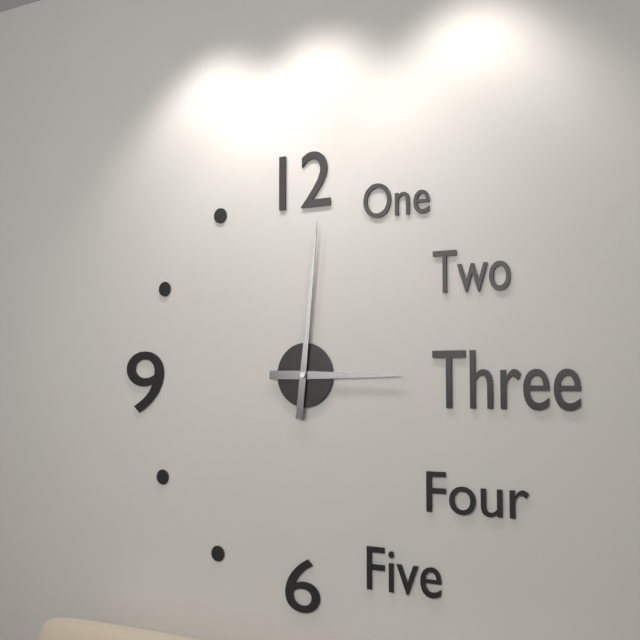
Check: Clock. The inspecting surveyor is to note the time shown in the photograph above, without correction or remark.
3:01
